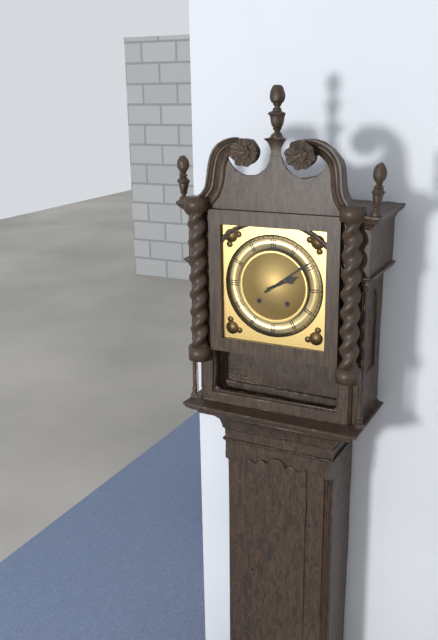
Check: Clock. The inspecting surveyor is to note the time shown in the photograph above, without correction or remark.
2:09
